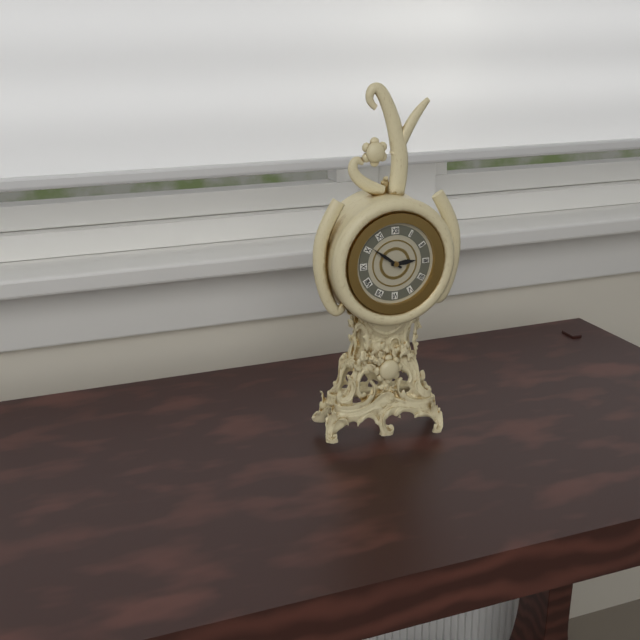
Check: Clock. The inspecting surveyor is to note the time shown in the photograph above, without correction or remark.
2:51
